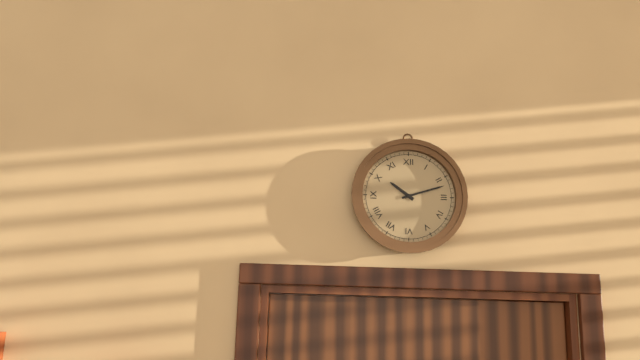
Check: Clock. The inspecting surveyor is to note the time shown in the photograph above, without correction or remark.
10:12
